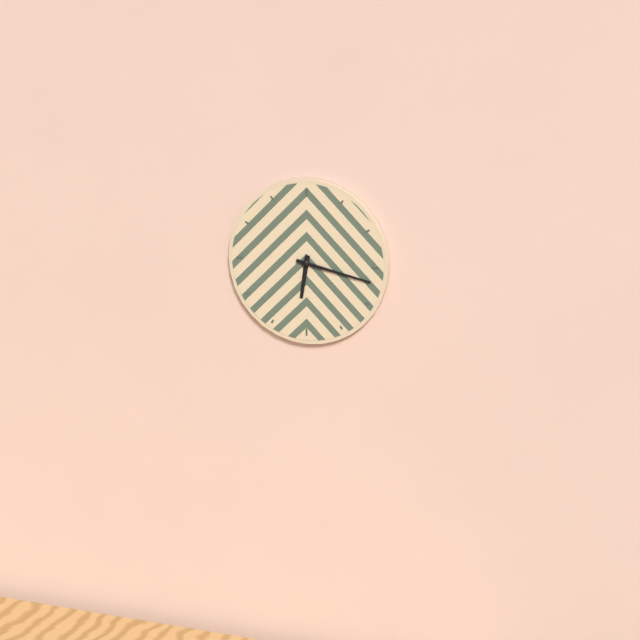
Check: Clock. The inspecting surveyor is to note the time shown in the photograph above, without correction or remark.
6:17
